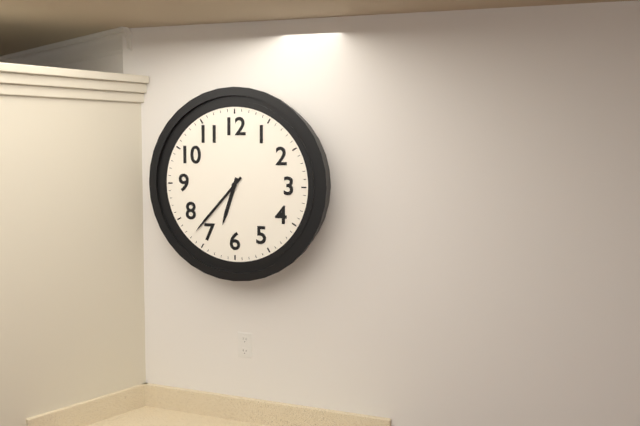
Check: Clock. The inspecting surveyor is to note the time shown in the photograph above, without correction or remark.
6:37
